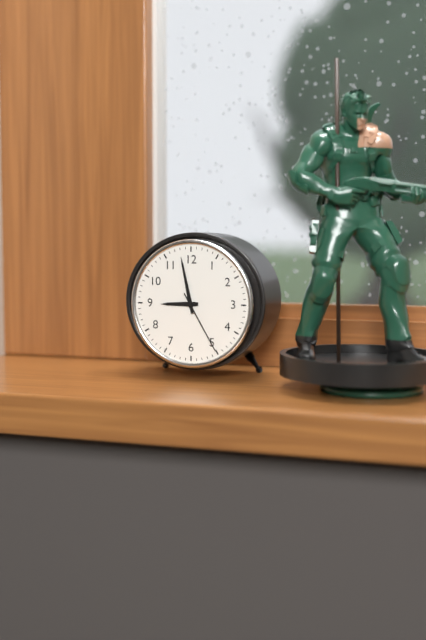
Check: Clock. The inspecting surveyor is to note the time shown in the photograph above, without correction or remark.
8:58:25
